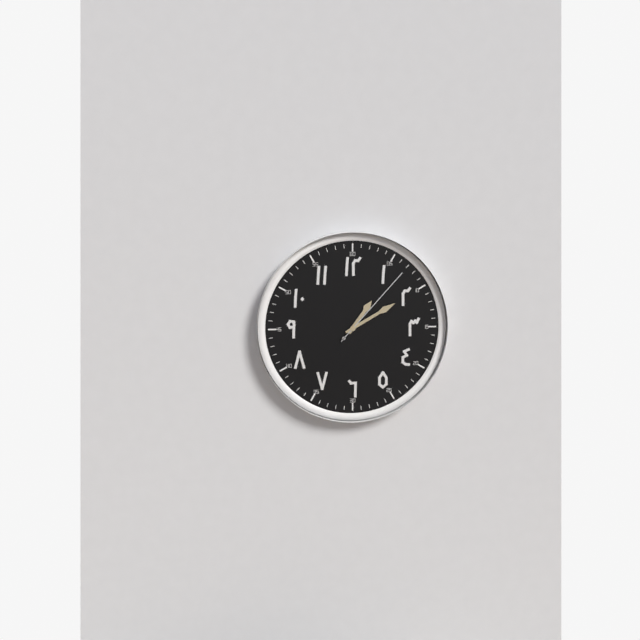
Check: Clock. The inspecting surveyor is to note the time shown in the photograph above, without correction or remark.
1:10:07
